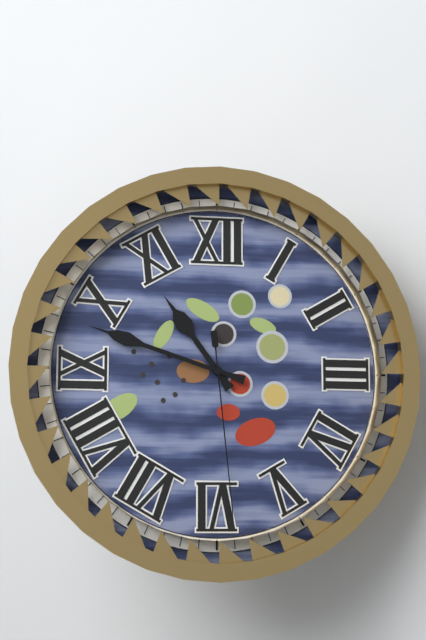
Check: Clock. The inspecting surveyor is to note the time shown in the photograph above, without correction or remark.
10:48:29
